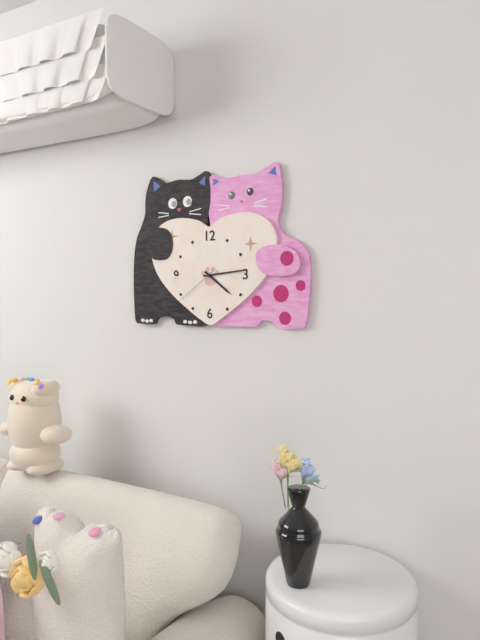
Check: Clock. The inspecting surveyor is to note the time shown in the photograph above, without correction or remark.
4:14:39
